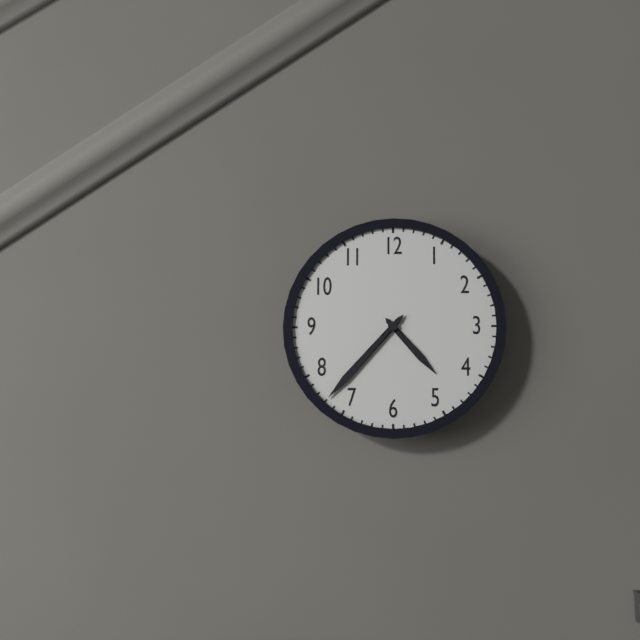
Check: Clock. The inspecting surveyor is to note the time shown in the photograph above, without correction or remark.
4:37
